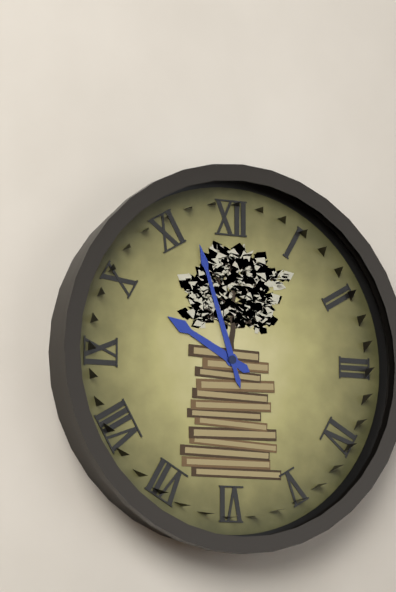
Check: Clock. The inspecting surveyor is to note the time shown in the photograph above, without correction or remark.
9:57
